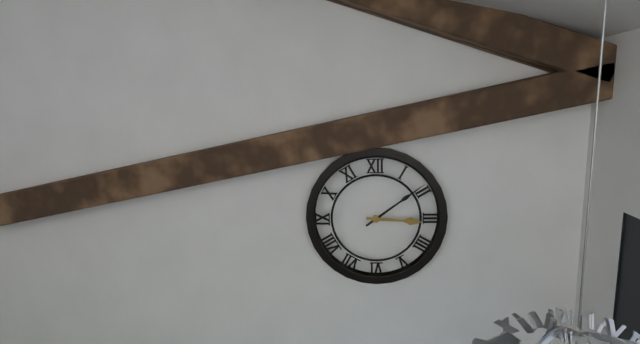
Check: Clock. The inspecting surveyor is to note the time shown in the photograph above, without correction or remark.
3:09
